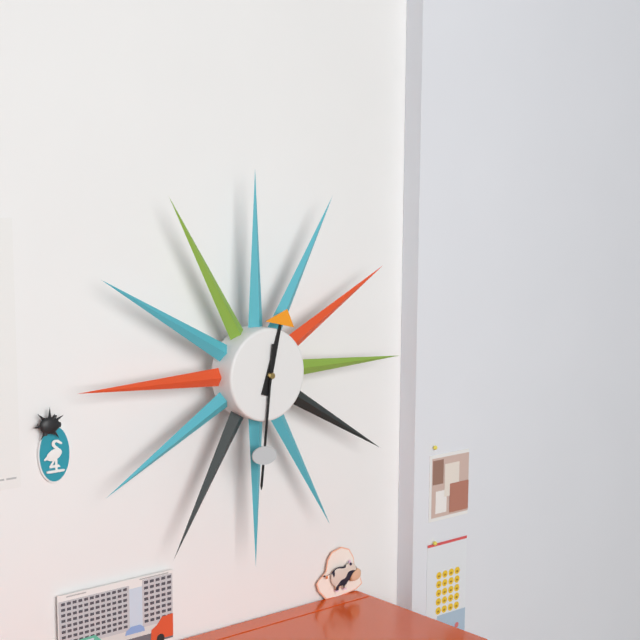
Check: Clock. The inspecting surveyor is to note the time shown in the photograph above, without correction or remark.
12:31
